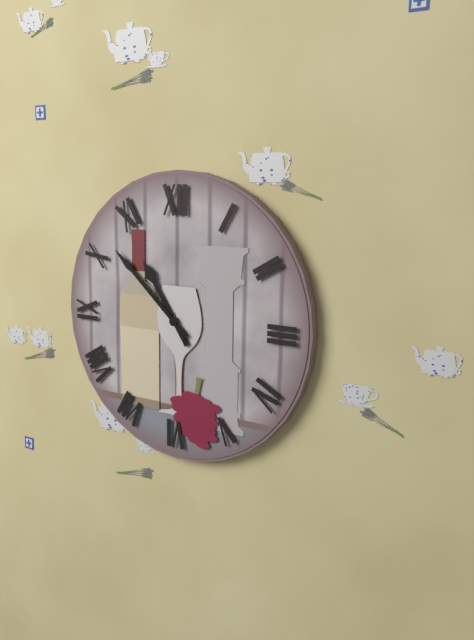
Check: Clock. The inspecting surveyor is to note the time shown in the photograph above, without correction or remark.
10:52
